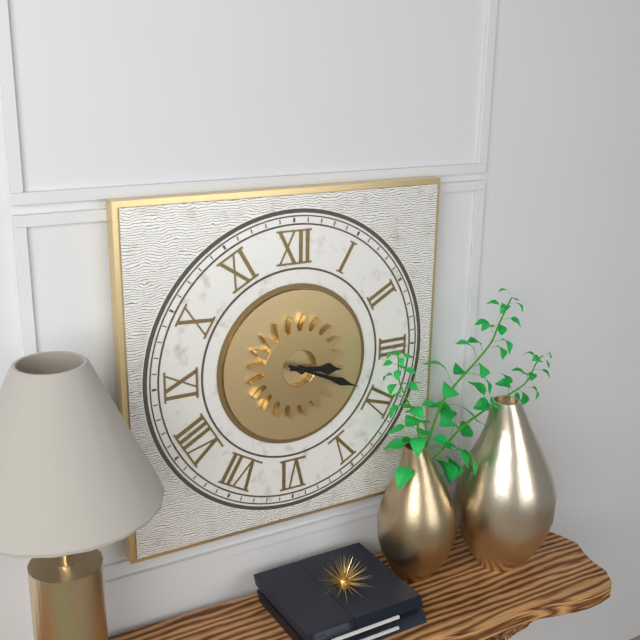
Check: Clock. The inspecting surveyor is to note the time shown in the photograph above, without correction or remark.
3:19
